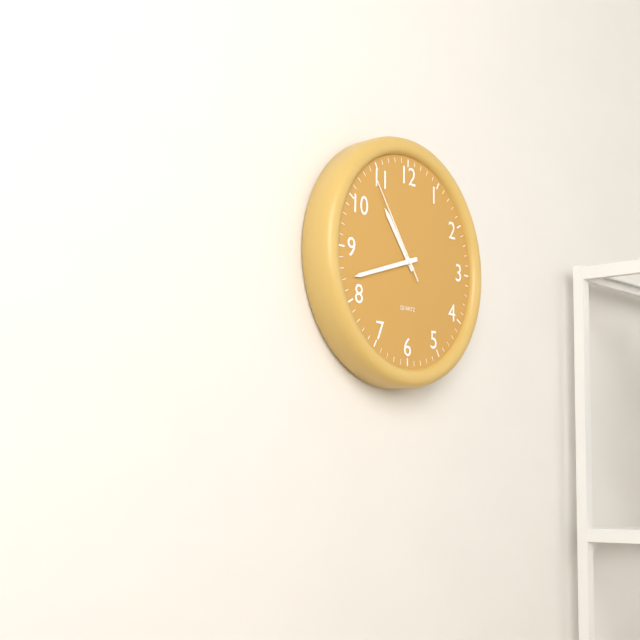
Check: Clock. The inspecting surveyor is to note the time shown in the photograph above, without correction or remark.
10:42:54
